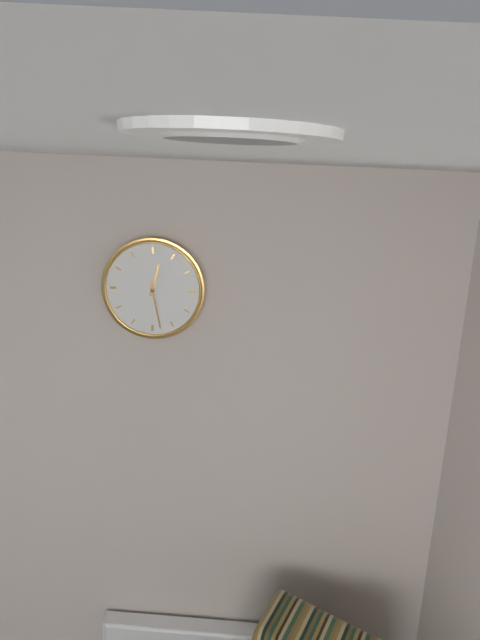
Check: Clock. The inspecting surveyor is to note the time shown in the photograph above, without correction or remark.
12:28
